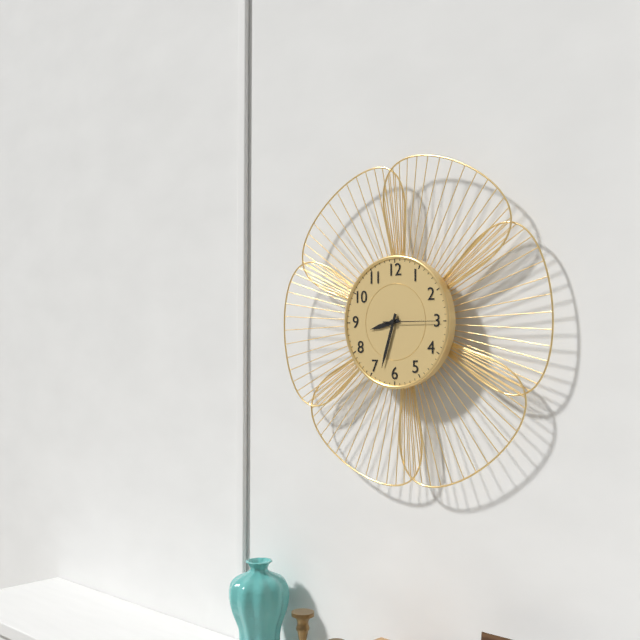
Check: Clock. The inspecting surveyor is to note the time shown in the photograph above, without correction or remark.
8:33:15
